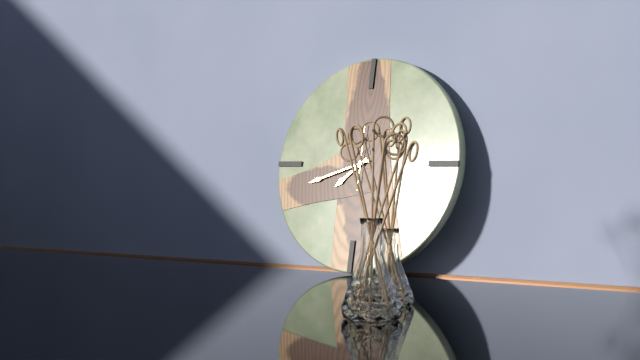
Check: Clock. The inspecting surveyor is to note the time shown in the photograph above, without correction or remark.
7:42
